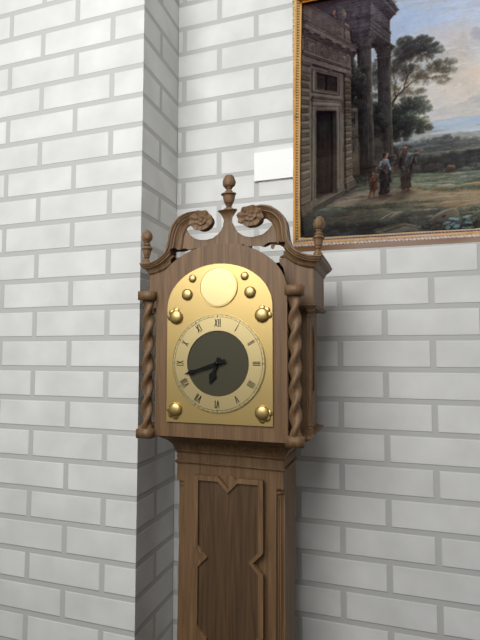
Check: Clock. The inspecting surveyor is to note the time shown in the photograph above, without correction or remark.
6:42
